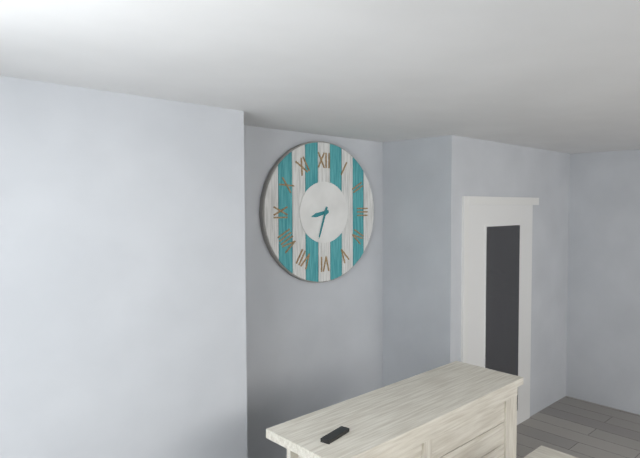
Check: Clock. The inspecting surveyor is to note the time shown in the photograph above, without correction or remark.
8:33
